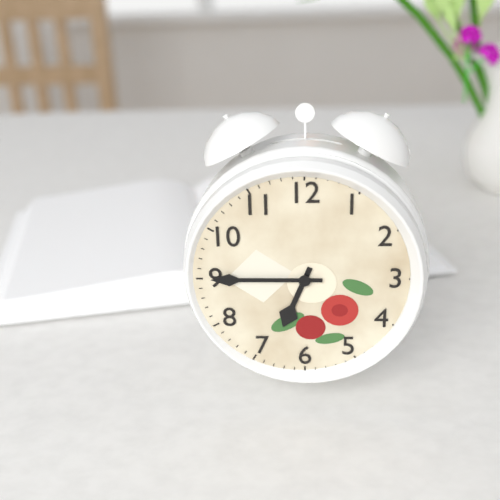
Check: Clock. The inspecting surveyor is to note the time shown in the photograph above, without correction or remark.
6:45
